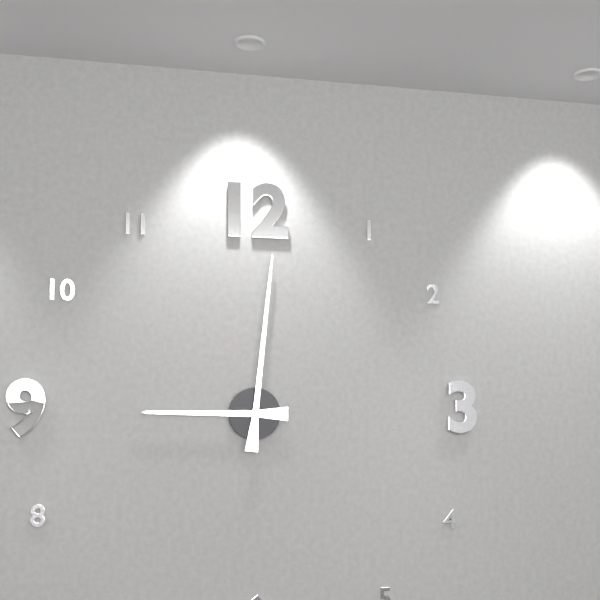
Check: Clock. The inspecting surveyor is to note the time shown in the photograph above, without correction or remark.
9:01
